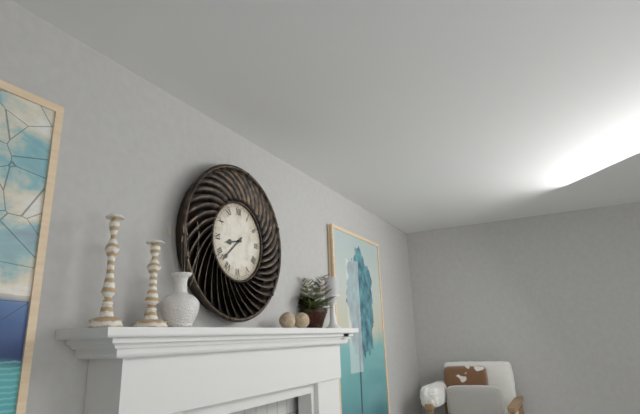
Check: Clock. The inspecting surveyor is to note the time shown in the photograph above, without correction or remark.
8:38
